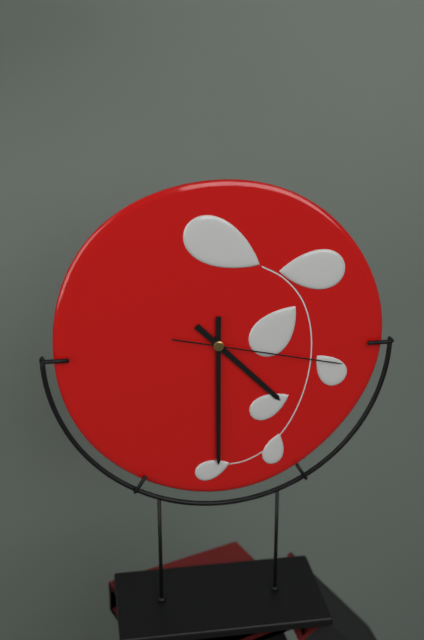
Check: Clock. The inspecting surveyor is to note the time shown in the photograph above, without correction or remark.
4:30:17
